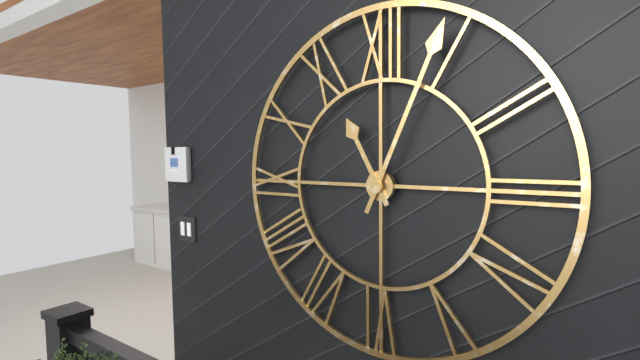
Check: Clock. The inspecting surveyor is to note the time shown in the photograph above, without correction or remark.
11:04
